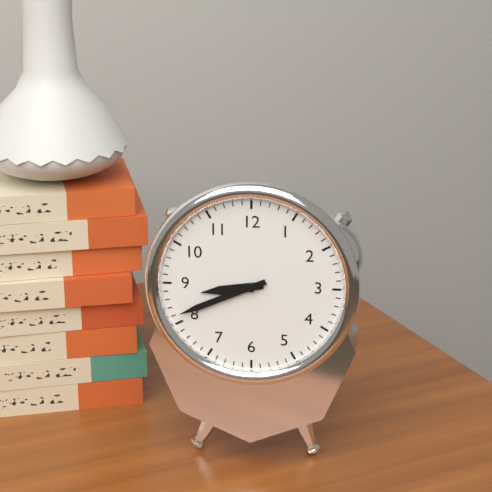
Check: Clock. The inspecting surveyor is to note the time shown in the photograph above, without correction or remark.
8:41
